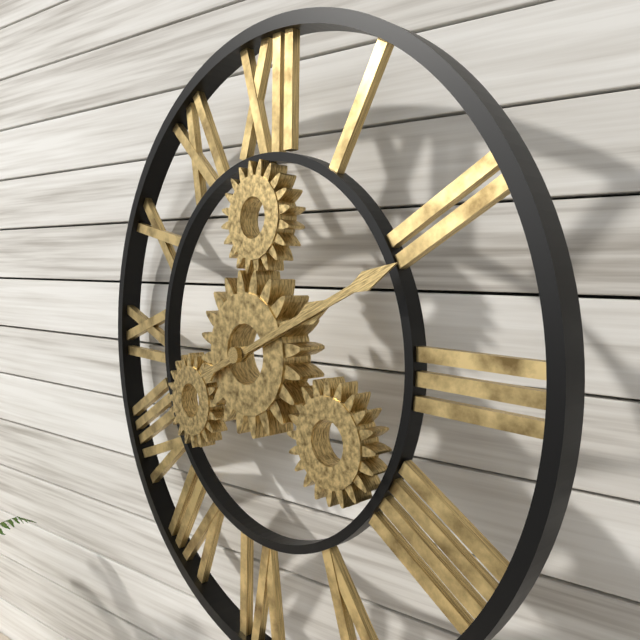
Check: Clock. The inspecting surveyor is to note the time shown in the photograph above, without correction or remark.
2:11
